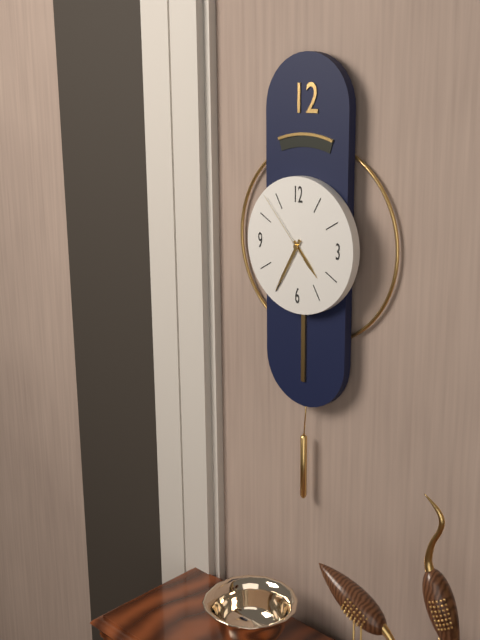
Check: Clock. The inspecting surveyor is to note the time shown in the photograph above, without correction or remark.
4:35:53
